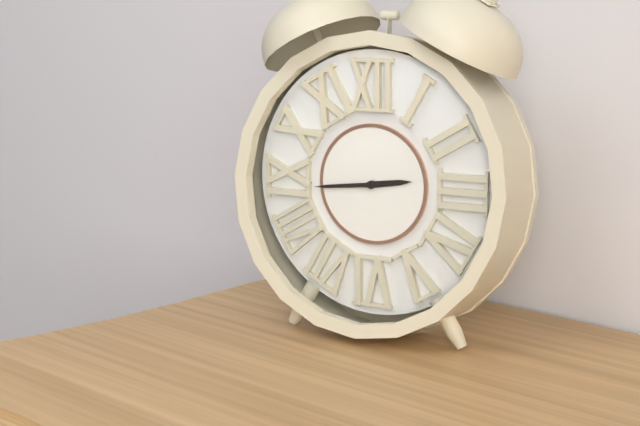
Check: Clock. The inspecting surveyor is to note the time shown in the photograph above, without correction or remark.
2:44
